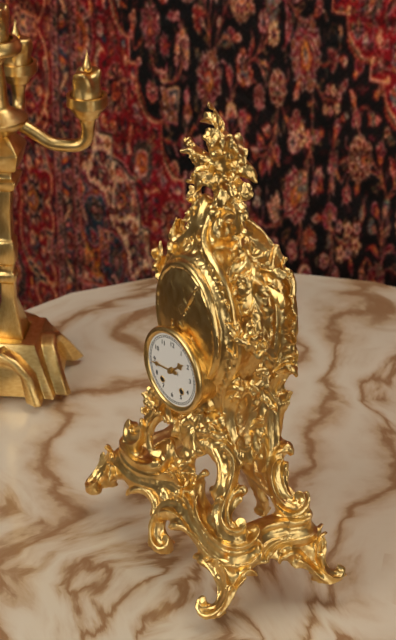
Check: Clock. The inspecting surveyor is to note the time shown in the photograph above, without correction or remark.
1:44
